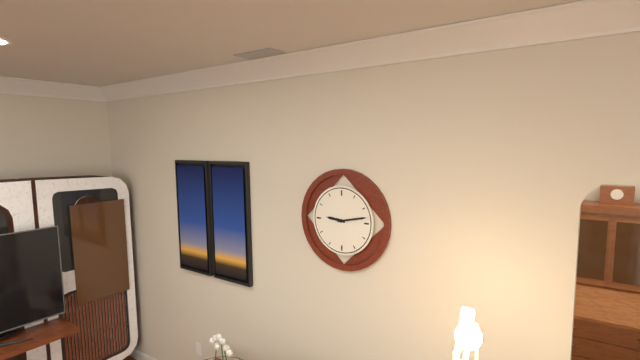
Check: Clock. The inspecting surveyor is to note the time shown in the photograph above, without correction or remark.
9:13
